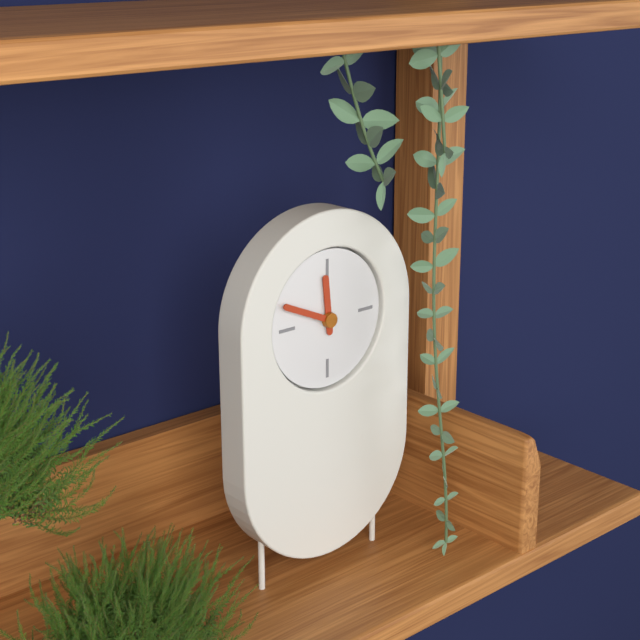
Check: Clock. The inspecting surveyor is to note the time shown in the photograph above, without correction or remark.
11:49
